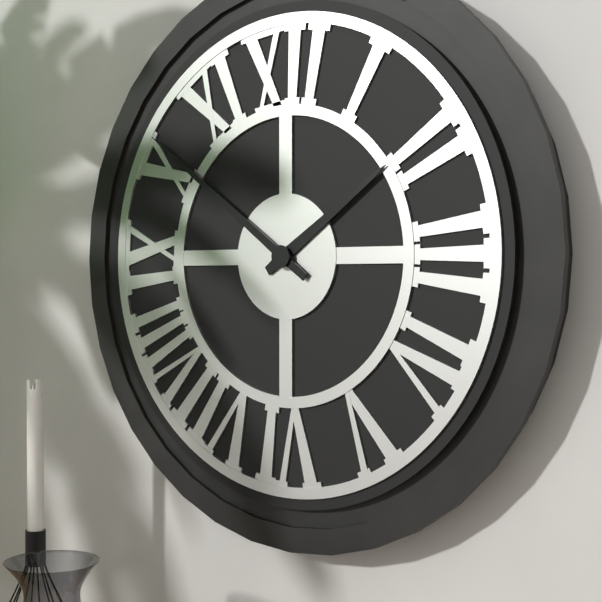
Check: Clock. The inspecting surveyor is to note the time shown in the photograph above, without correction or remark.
1:51
